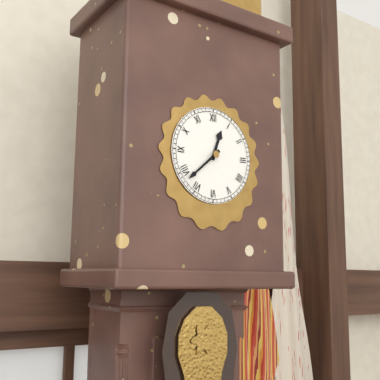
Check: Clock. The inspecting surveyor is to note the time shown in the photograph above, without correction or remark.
12:38
